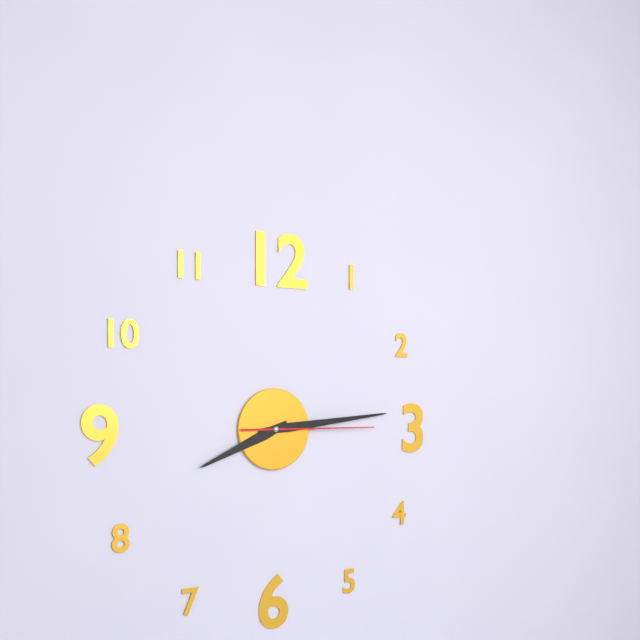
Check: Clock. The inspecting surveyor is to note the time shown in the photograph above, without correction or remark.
8:14:15
